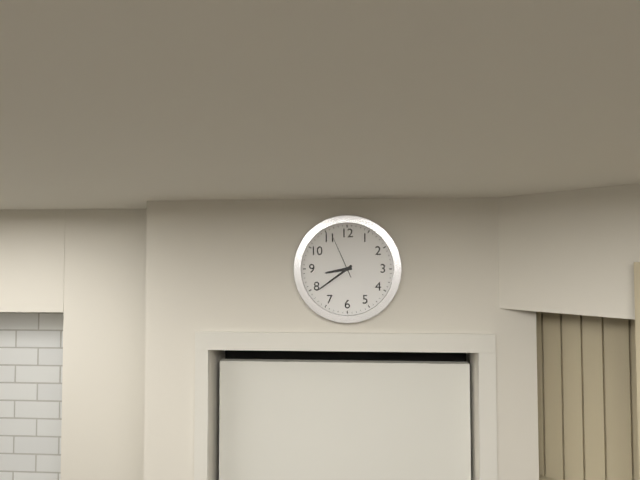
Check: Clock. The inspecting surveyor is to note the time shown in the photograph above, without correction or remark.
8:39:56
